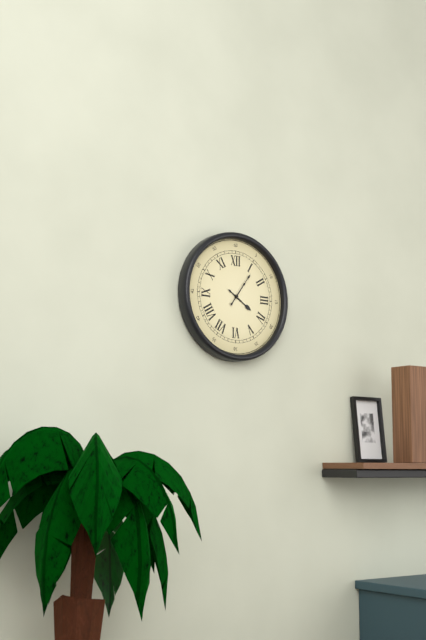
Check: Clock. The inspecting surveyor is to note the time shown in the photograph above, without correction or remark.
4:06
